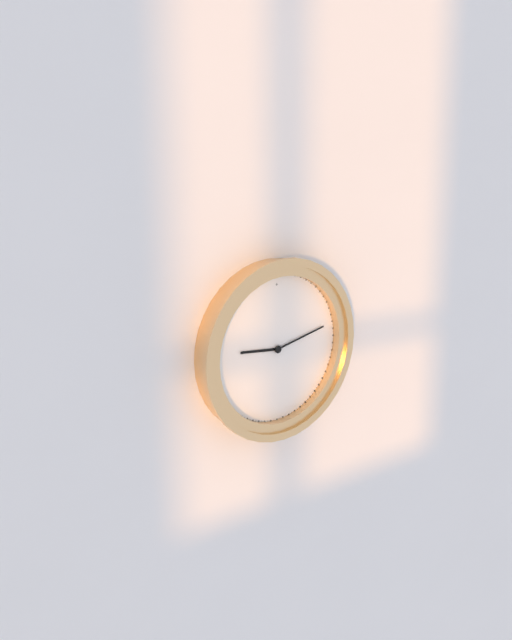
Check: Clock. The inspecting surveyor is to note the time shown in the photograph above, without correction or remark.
9:13
